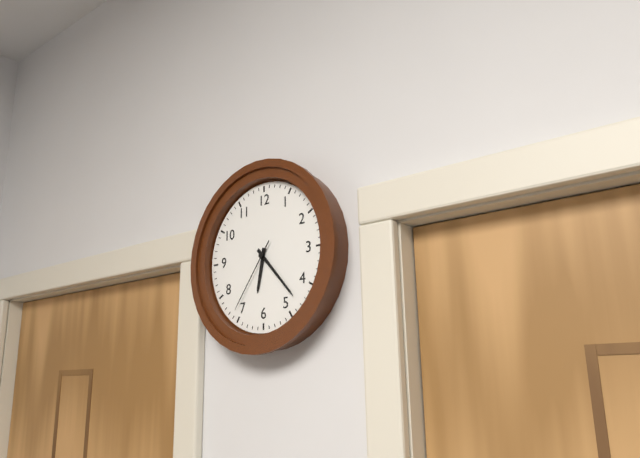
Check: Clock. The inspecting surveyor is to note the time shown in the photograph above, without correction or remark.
6:23:36
